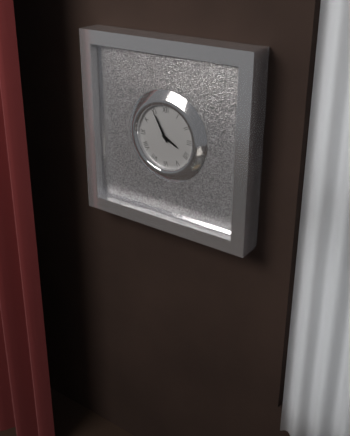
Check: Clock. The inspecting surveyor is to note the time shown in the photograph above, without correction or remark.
3:55
